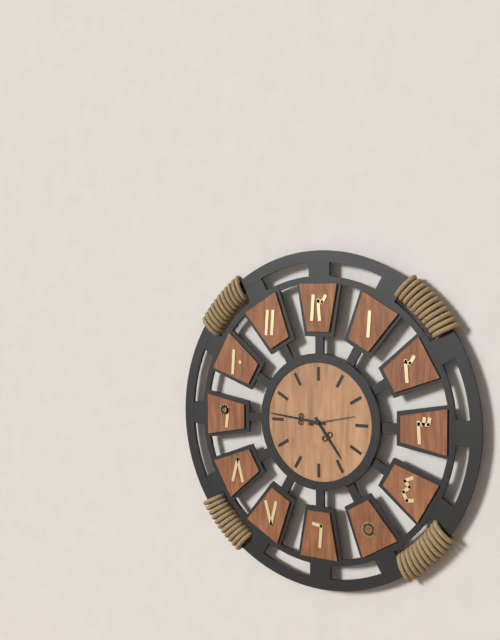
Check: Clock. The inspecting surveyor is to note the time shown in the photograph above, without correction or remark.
4:46
